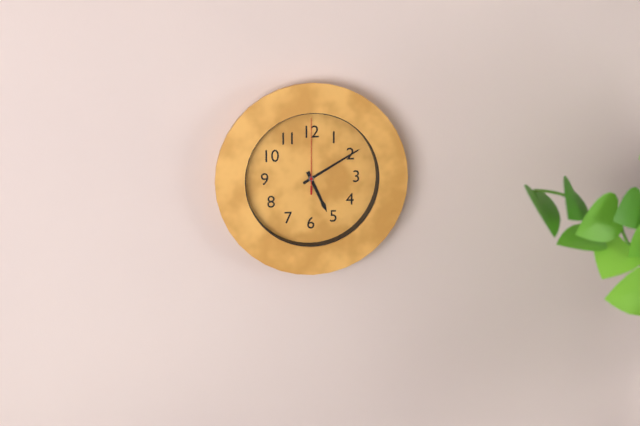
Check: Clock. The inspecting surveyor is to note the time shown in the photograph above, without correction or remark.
5:10:00
